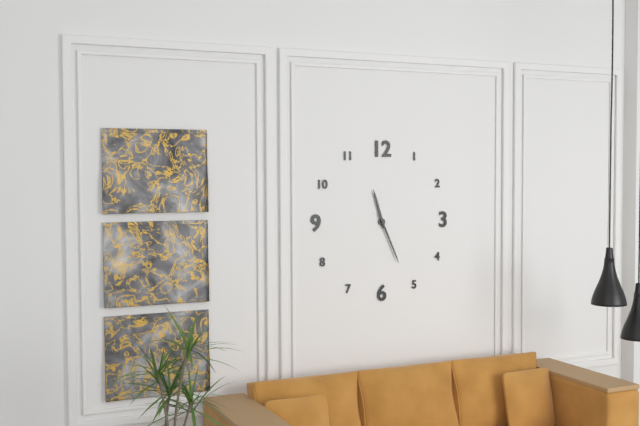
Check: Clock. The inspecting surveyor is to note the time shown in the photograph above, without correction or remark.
11:26
